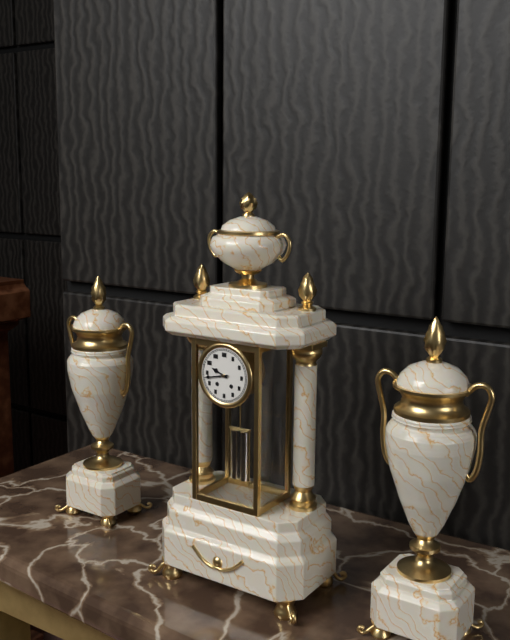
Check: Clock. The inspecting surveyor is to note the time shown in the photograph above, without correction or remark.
9:43
